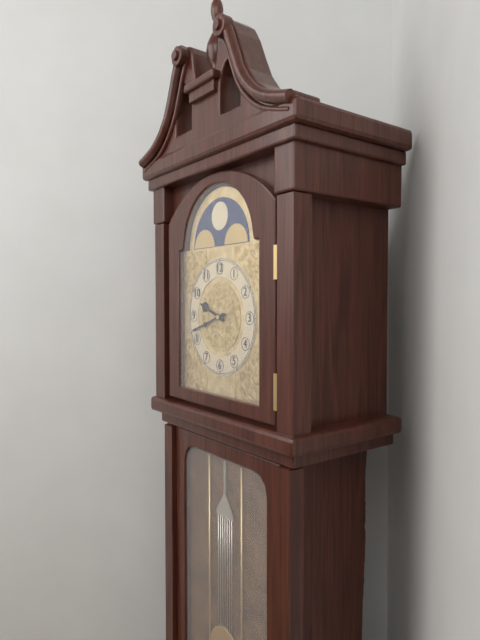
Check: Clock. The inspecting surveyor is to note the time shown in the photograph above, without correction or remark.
9:42
